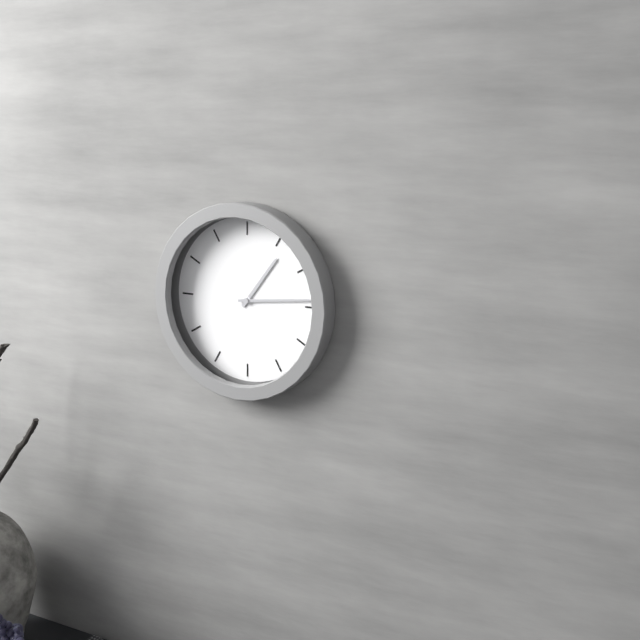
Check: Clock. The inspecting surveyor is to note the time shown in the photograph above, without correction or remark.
1:14
